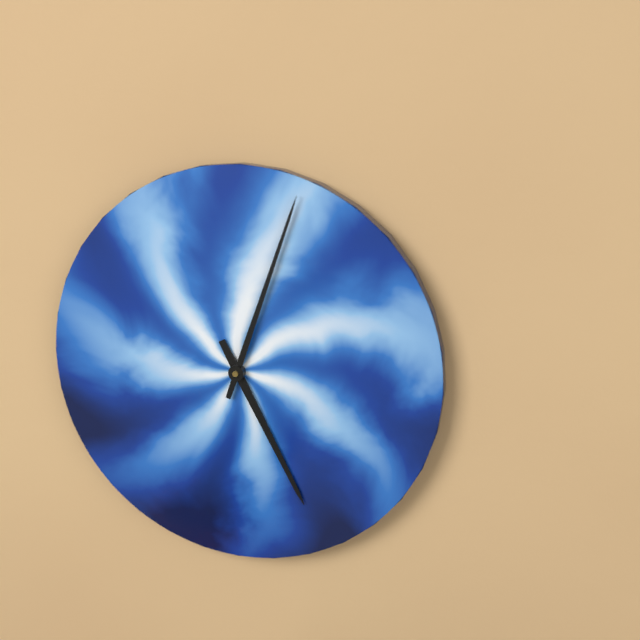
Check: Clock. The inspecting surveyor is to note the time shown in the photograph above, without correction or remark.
5:03
